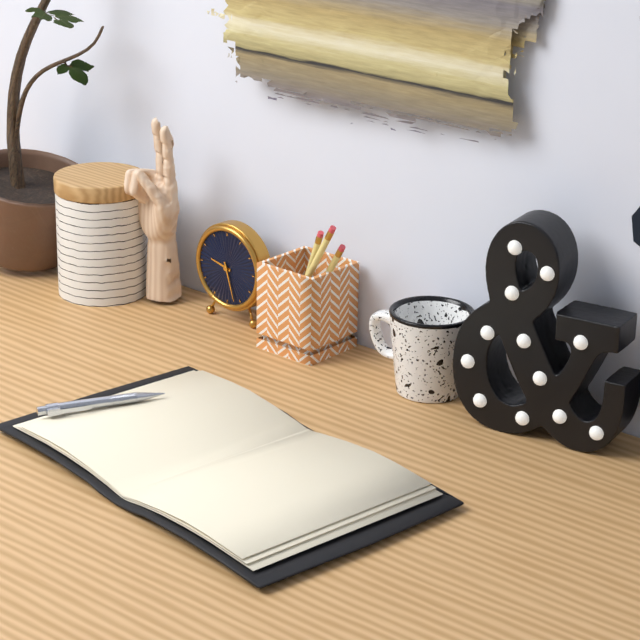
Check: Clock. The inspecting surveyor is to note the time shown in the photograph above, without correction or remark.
9:27
